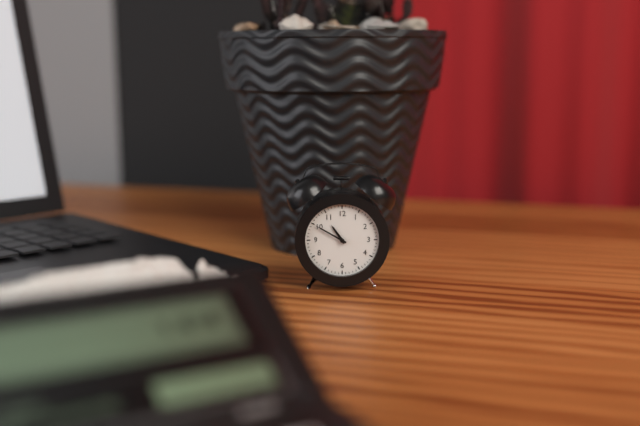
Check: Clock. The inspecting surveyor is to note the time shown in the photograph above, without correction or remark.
10:50
